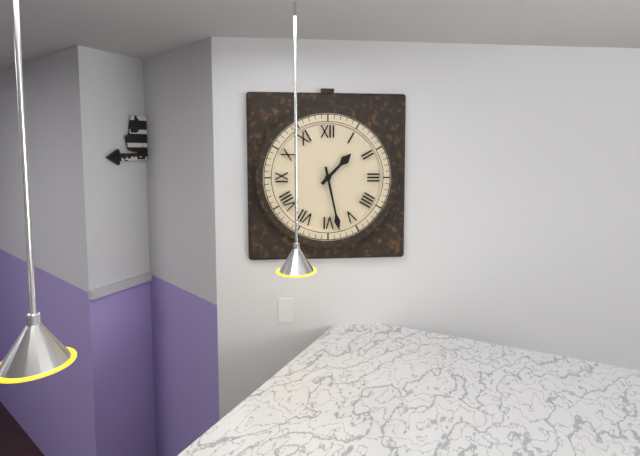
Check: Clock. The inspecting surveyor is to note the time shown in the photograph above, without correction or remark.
1:28
